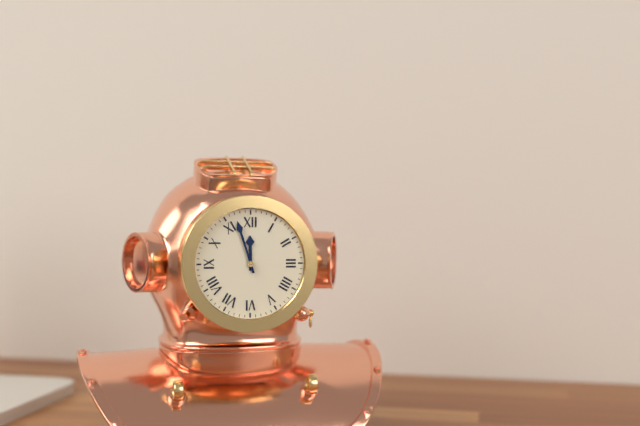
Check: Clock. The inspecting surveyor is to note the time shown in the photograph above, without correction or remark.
11:57
